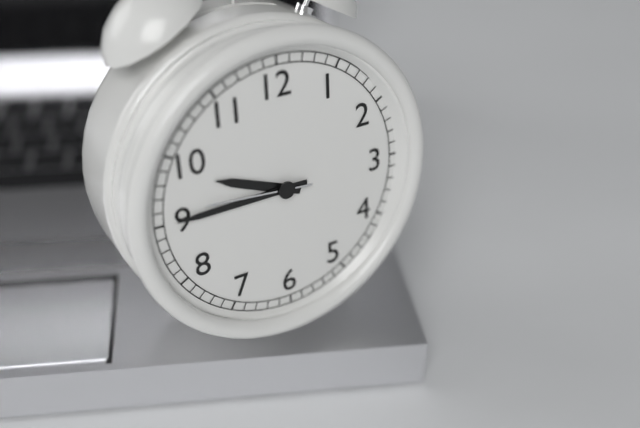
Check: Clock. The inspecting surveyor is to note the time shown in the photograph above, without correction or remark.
9:45:46
